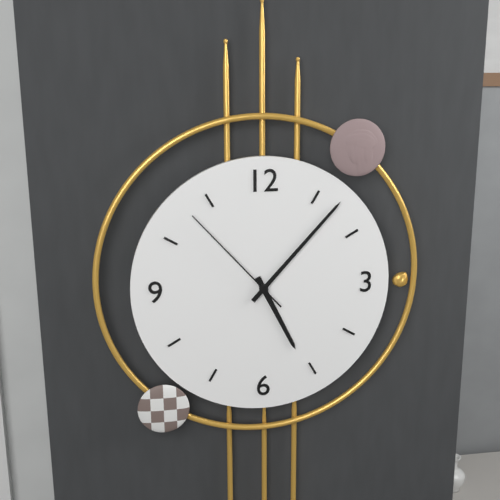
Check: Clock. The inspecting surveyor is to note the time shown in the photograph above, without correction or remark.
5:07:53
